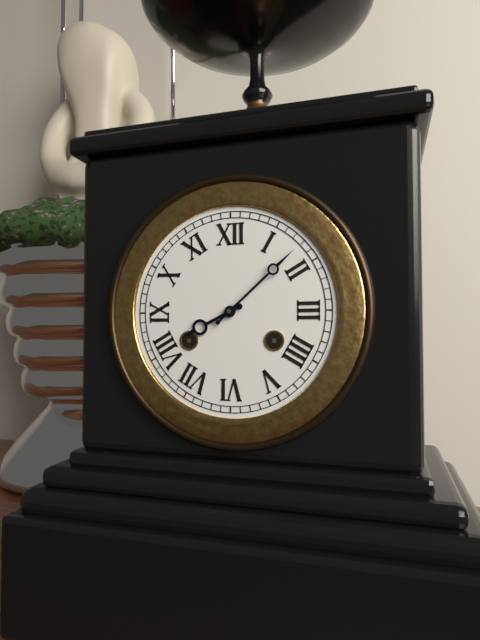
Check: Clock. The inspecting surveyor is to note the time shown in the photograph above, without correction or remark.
8:08
